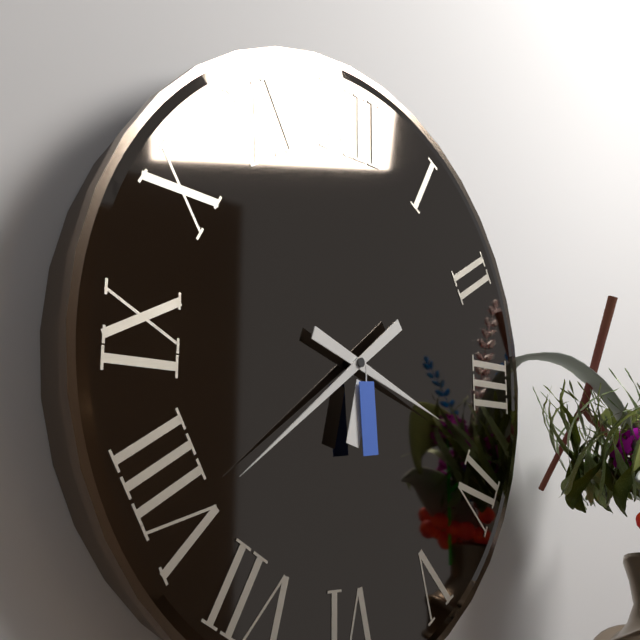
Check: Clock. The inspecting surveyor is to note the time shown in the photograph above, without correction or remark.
3:39
